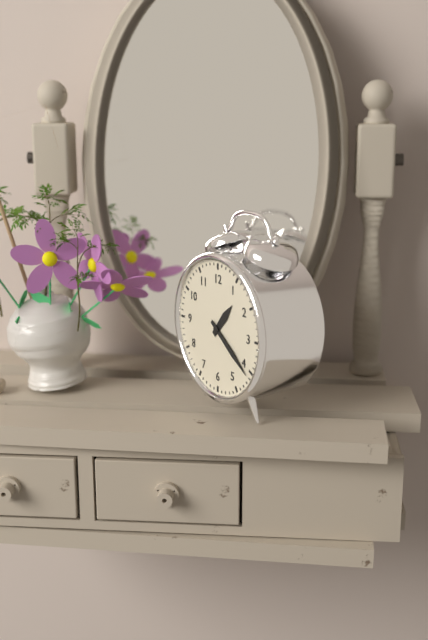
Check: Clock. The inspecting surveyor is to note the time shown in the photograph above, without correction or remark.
1:21
